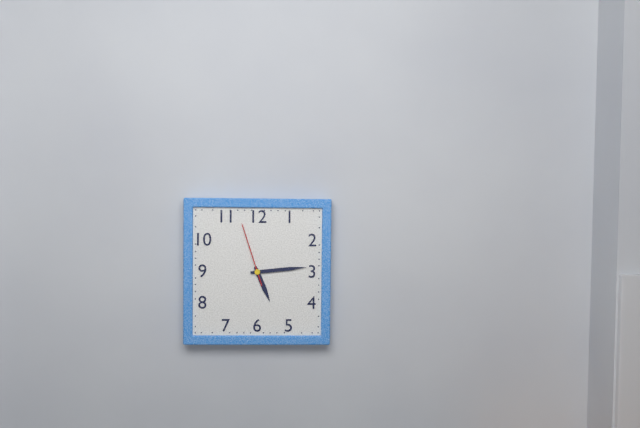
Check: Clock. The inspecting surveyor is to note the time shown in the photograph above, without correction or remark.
5:14:57
